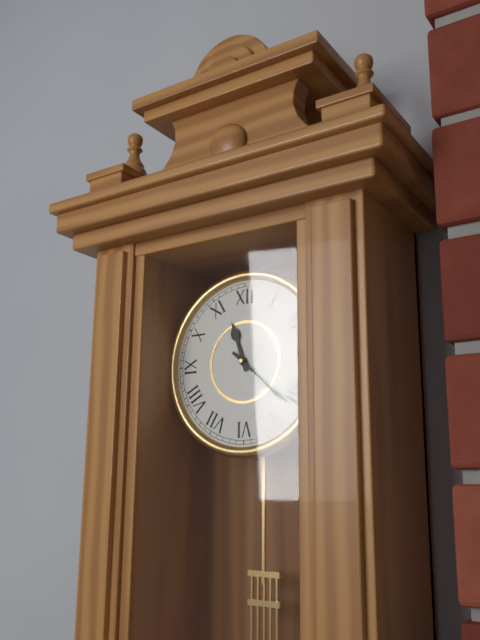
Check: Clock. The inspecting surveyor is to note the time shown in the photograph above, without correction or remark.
11:22
